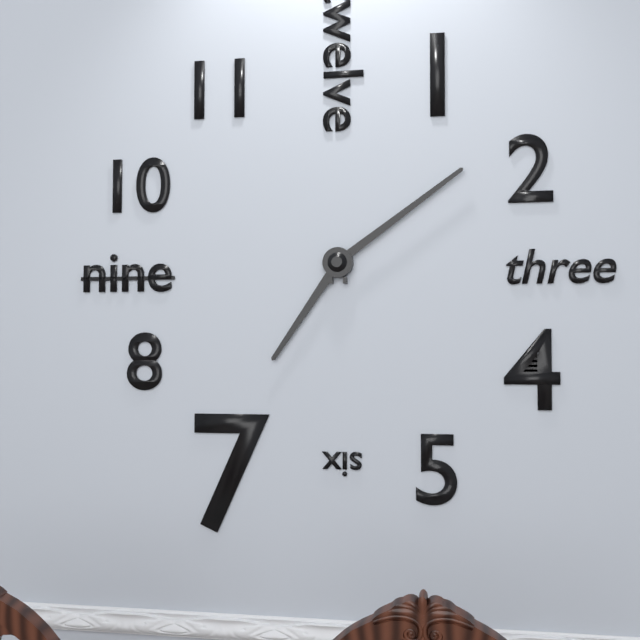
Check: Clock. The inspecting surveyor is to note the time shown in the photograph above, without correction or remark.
7:09
